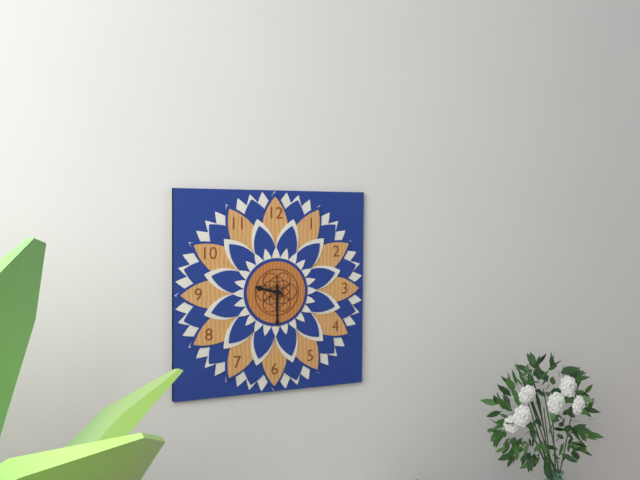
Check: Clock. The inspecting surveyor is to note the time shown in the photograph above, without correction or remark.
9:30
